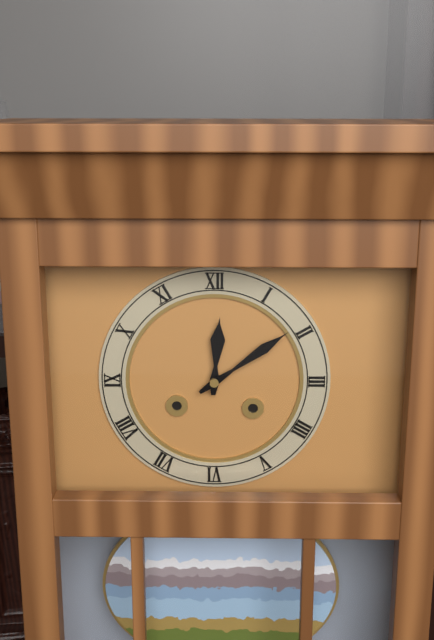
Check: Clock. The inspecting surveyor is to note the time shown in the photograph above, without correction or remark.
12:09
